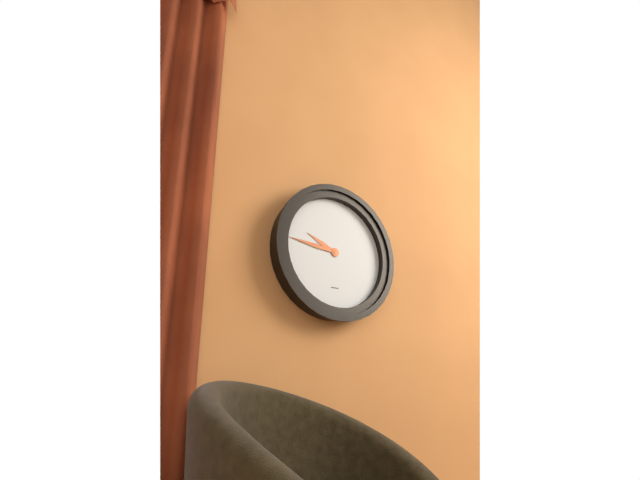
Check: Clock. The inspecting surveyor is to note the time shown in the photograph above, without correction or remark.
9:46
